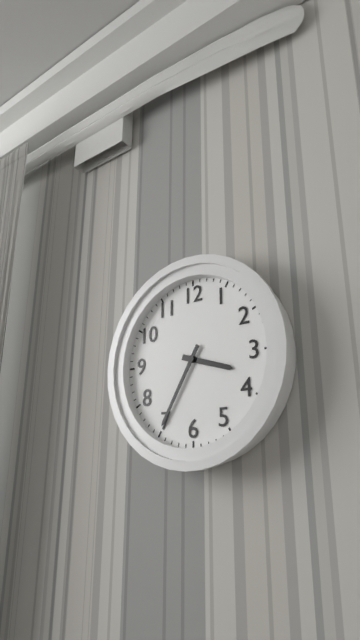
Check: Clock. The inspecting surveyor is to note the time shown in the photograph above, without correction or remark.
3:35
